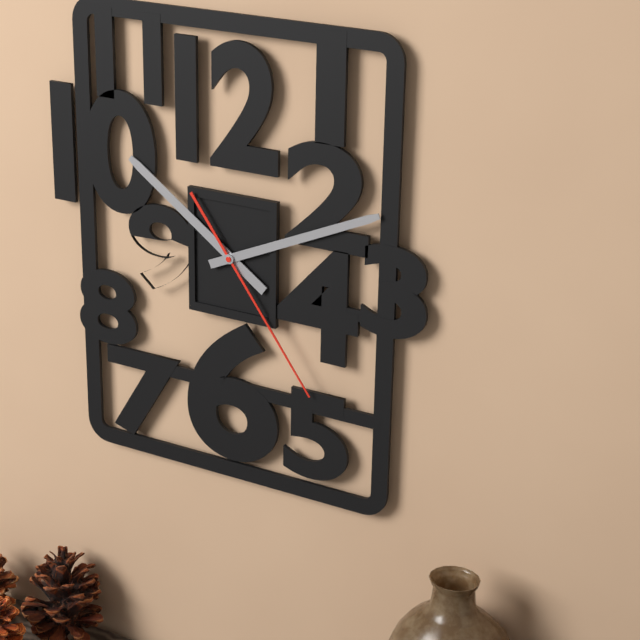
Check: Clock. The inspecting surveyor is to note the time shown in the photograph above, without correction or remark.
10:11:24
